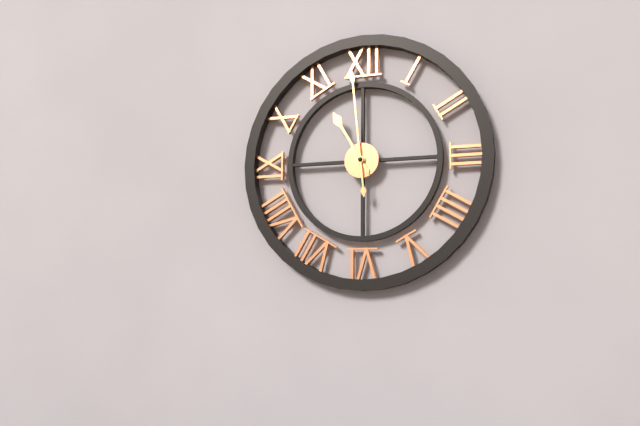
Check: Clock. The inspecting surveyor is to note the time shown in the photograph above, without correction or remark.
10:59
